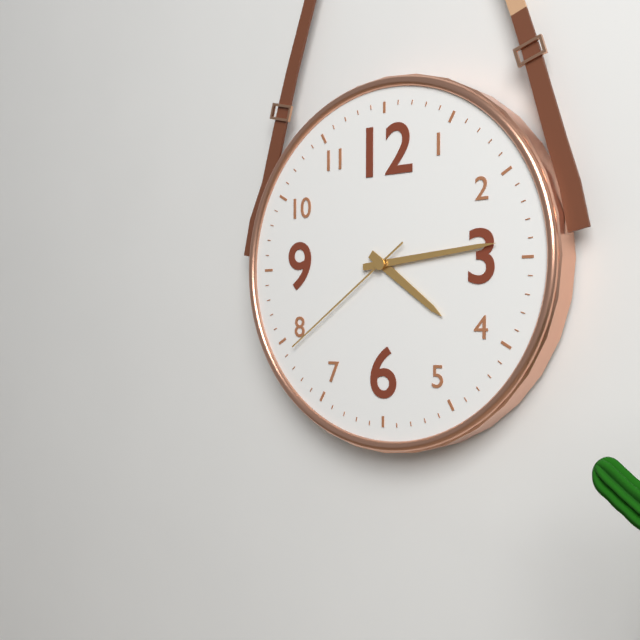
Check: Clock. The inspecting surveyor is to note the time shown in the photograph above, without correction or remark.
4:14:39
